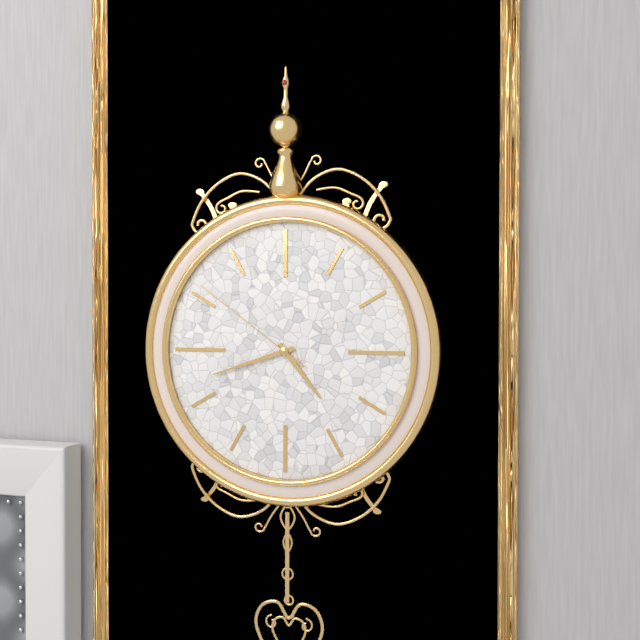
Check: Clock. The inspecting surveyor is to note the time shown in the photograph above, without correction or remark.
4:42:51
